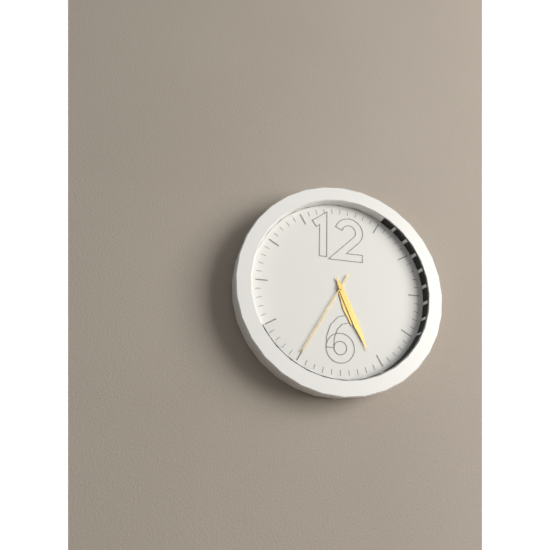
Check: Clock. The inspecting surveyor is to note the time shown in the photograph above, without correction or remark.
5:26:35
